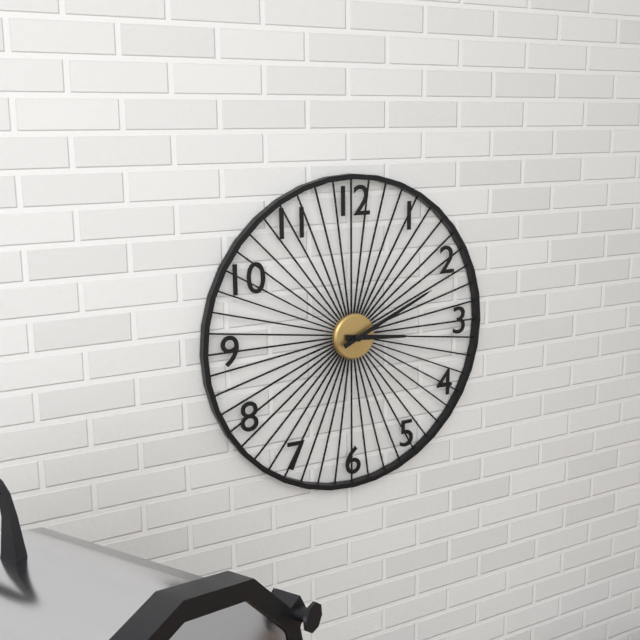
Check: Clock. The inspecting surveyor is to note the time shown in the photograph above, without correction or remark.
3:11
